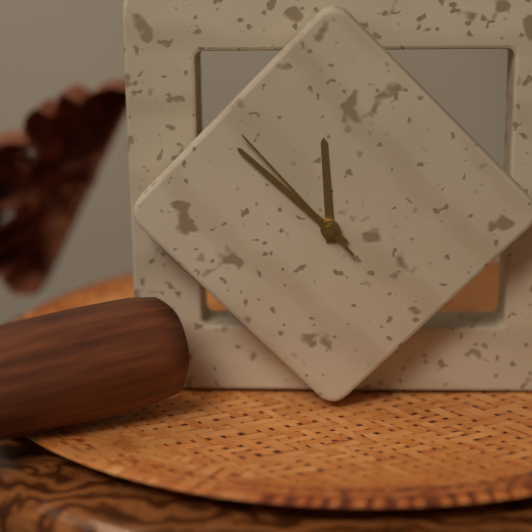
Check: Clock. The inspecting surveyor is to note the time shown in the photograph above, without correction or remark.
11:52:53
